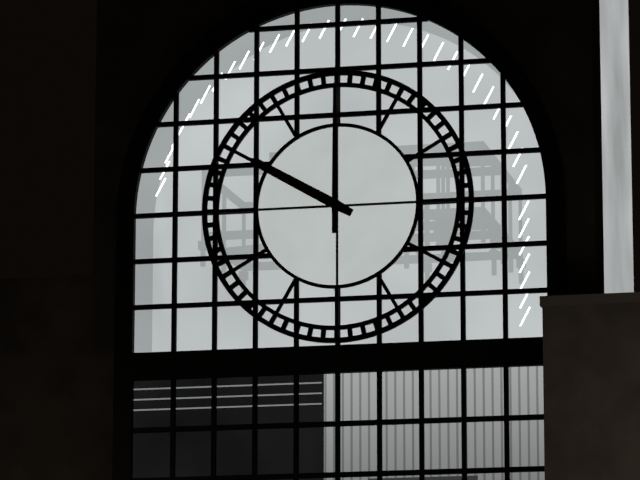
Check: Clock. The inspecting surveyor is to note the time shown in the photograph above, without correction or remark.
10:00
